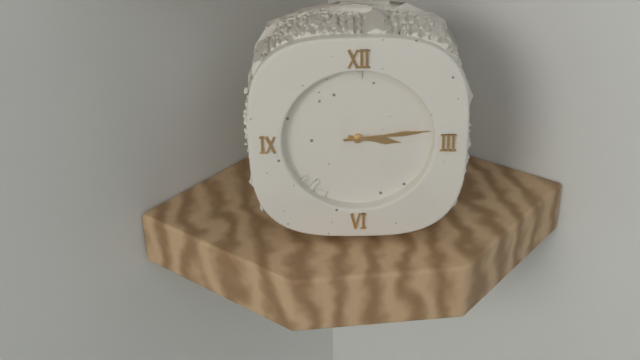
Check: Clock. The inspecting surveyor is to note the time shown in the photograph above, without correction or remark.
3:14
